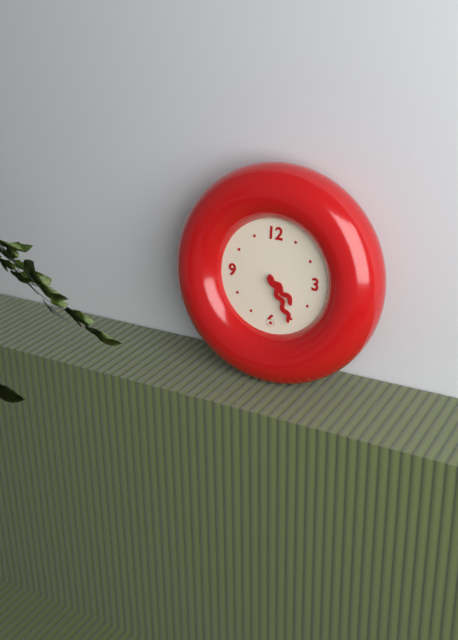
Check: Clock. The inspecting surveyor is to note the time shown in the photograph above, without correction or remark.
4:25
